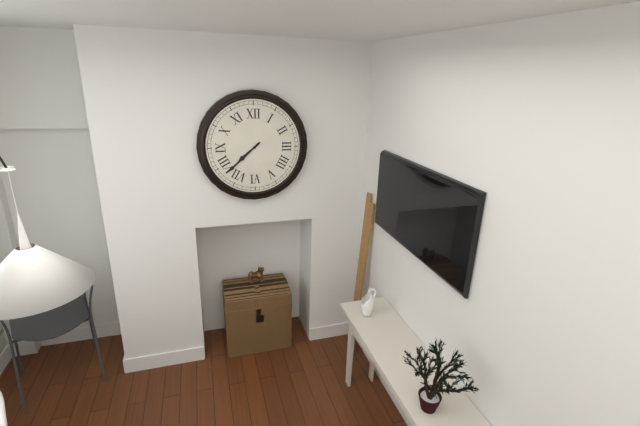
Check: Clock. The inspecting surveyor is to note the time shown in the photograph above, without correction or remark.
7:38
